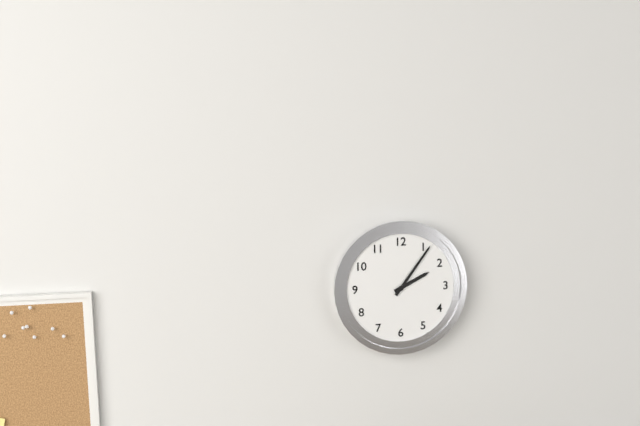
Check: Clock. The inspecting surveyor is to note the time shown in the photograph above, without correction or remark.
2:06
